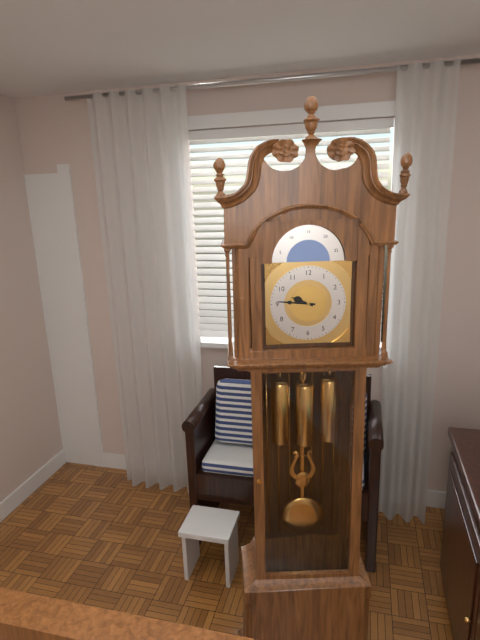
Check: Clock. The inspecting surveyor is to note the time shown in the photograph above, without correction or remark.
9:46
